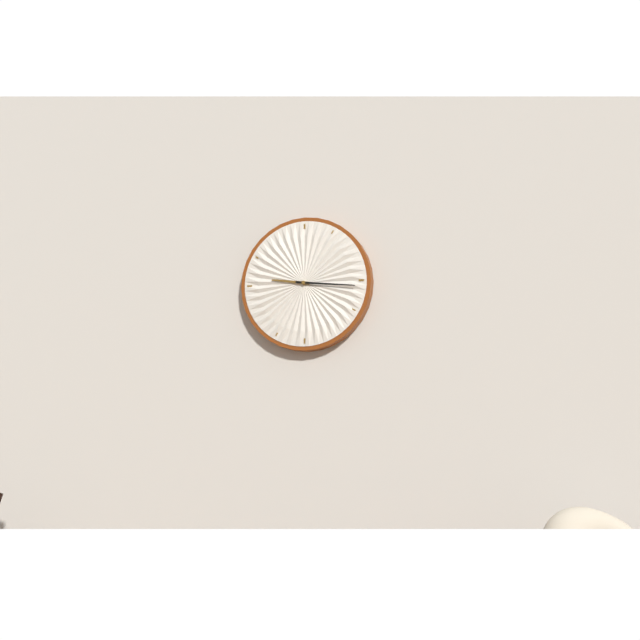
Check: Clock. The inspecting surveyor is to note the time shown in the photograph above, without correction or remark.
9:16
